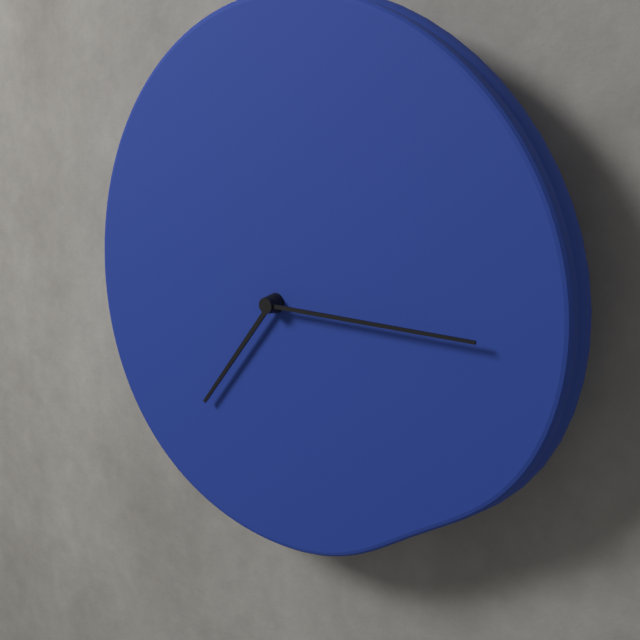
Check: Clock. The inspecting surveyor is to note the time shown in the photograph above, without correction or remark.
7:15
